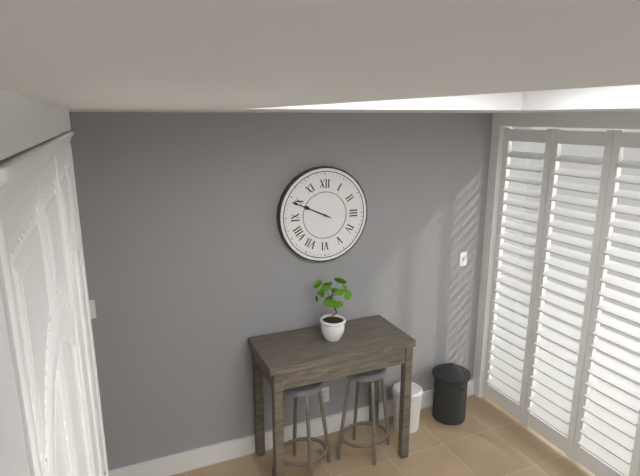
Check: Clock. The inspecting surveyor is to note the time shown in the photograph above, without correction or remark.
9:49
